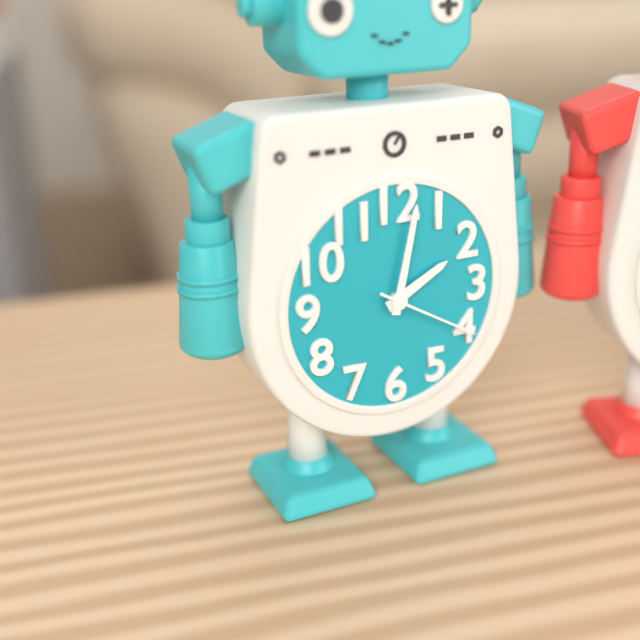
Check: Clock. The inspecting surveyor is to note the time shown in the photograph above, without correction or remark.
2:02:20
